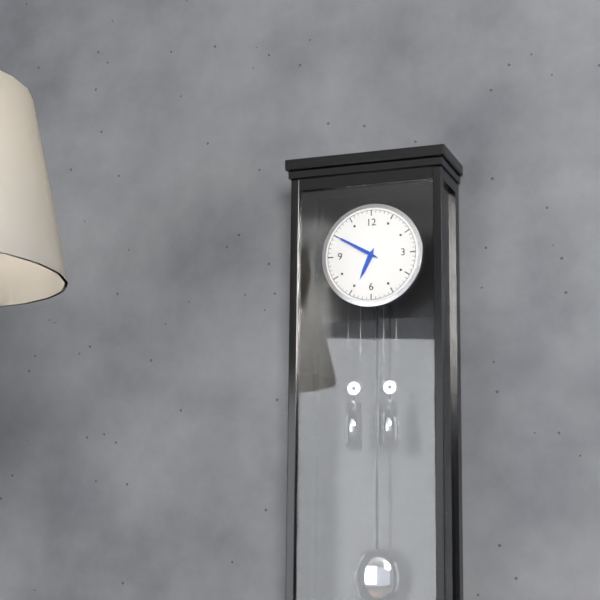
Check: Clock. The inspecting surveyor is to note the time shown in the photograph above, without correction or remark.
6:50
